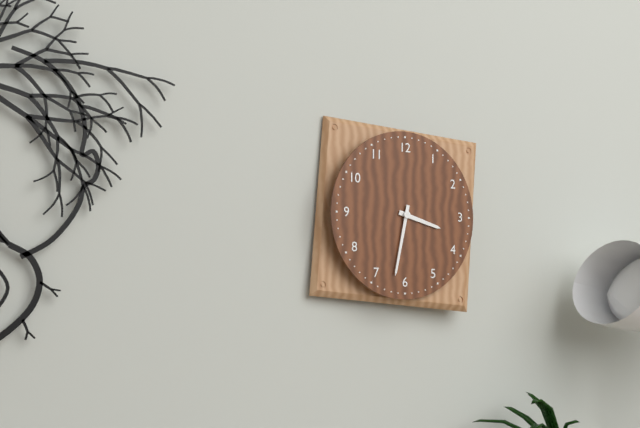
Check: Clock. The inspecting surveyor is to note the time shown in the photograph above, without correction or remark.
3:32
